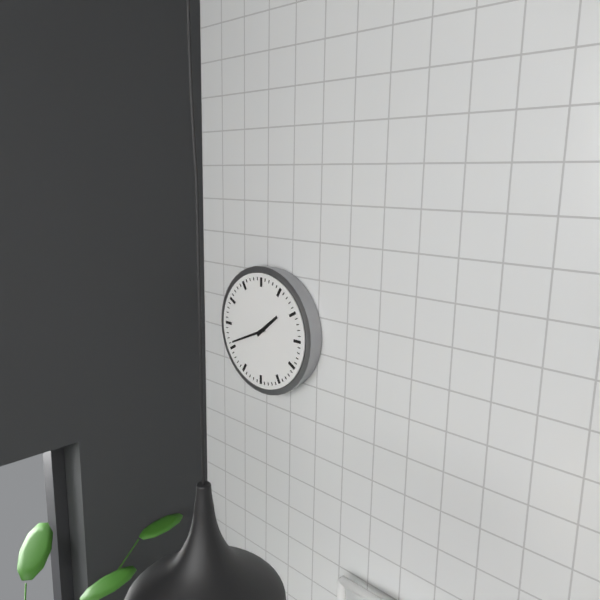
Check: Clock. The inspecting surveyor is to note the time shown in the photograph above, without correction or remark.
1:41
